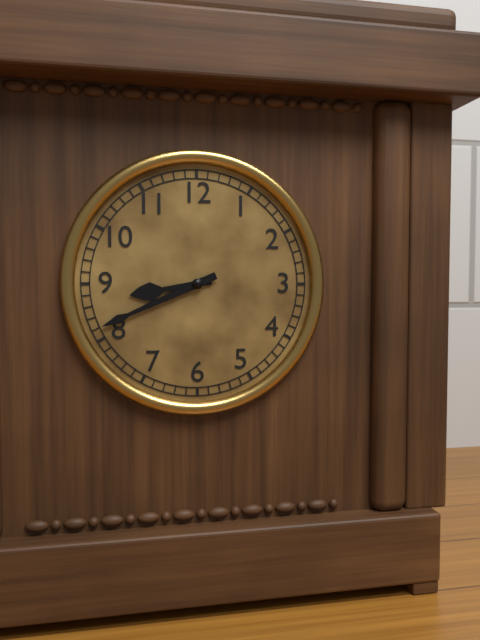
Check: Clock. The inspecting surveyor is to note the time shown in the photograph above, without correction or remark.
8:41
